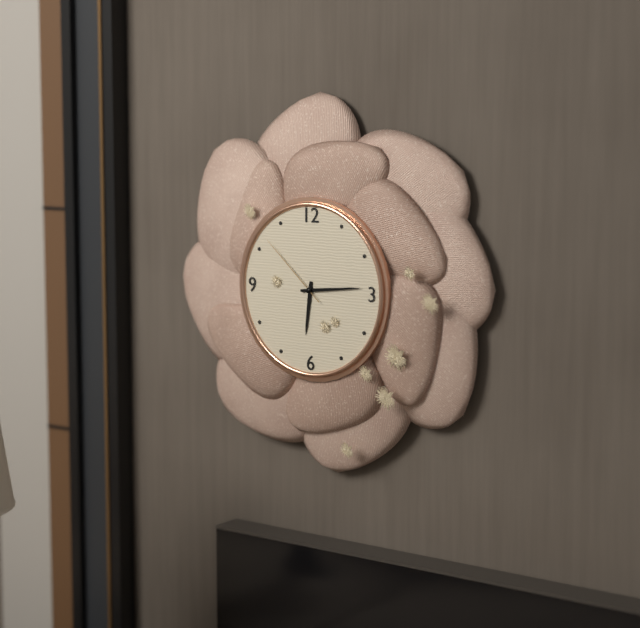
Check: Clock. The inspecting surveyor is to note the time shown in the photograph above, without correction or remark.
6:14:52
